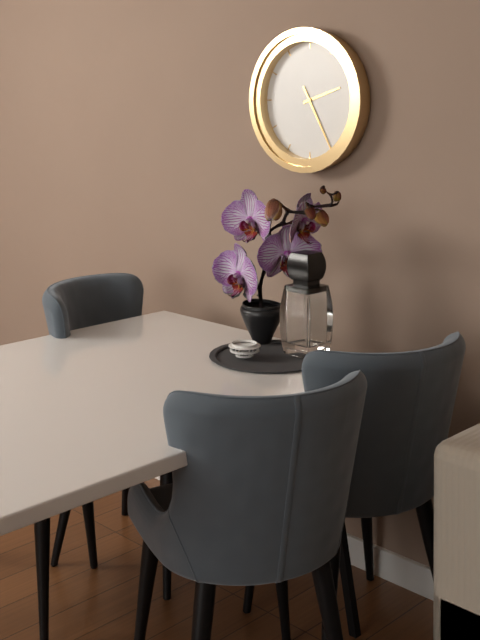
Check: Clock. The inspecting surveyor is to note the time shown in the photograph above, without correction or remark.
2:25
